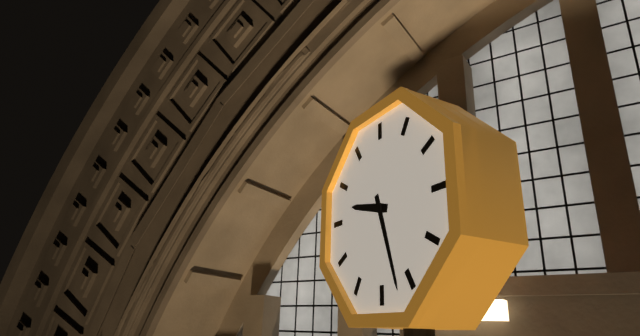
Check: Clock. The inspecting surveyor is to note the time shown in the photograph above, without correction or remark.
9:27
